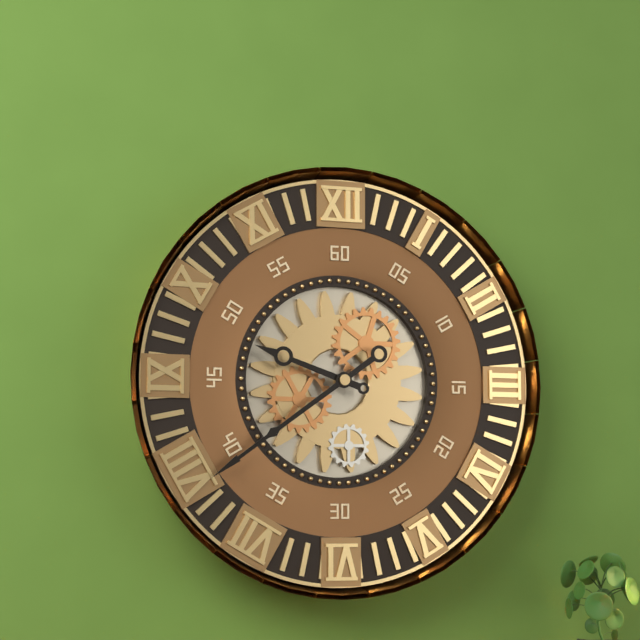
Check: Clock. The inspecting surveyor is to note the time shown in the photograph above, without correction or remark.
9:39
